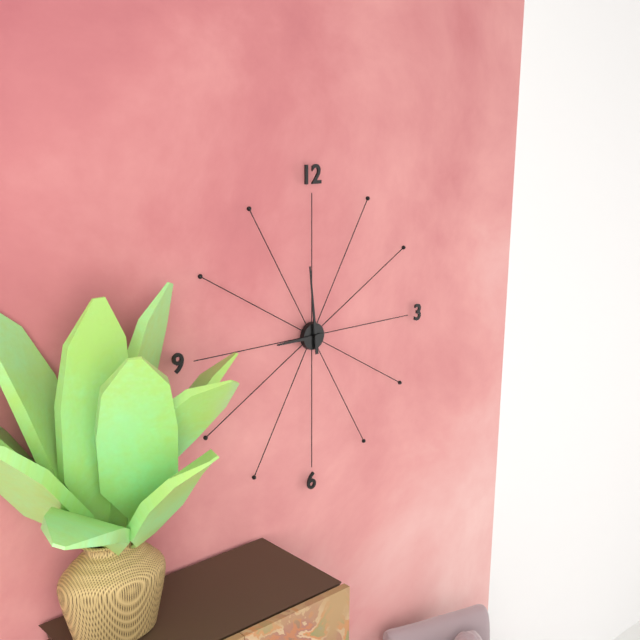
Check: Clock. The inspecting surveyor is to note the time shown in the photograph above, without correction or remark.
8:59
